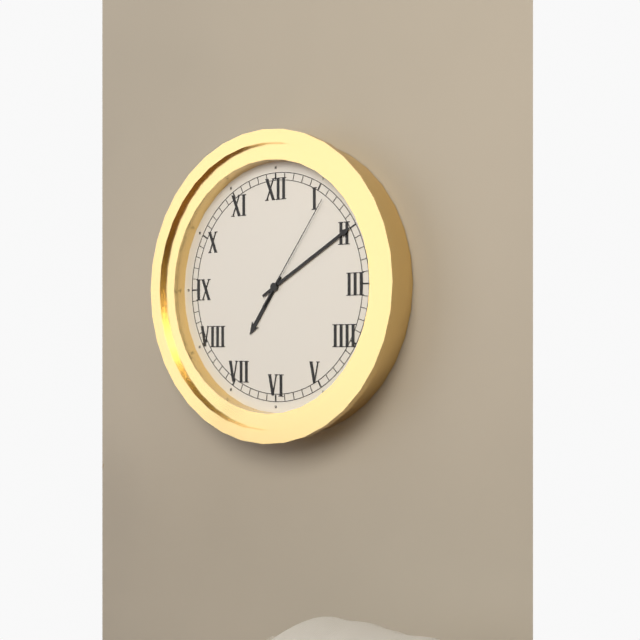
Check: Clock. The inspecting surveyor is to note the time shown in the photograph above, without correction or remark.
7:10:06
